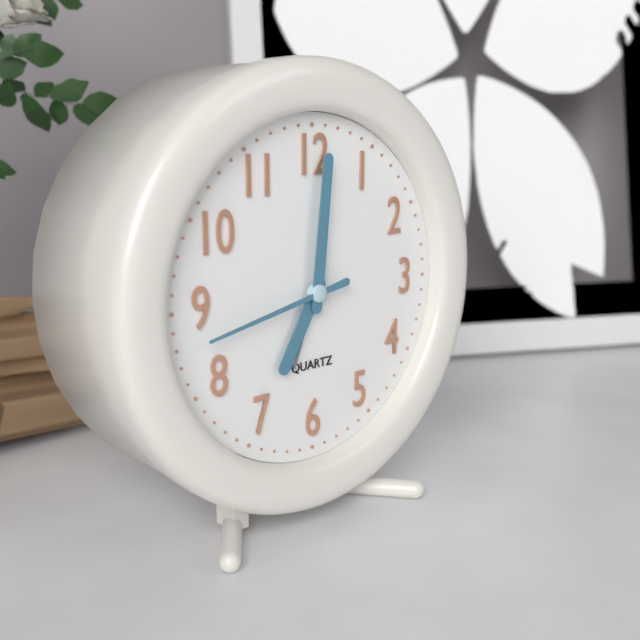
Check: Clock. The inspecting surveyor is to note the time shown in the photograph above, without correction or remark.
7:01:43
